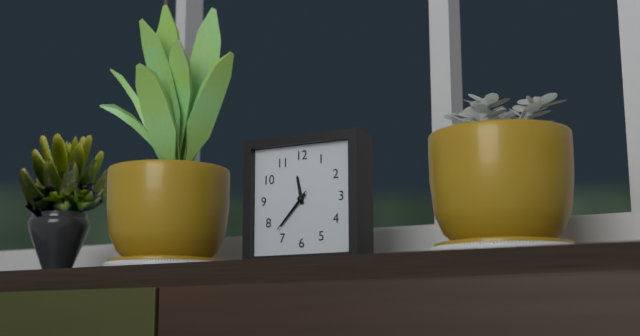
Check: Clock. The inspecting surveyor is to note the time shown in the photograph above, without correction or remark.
11:37
